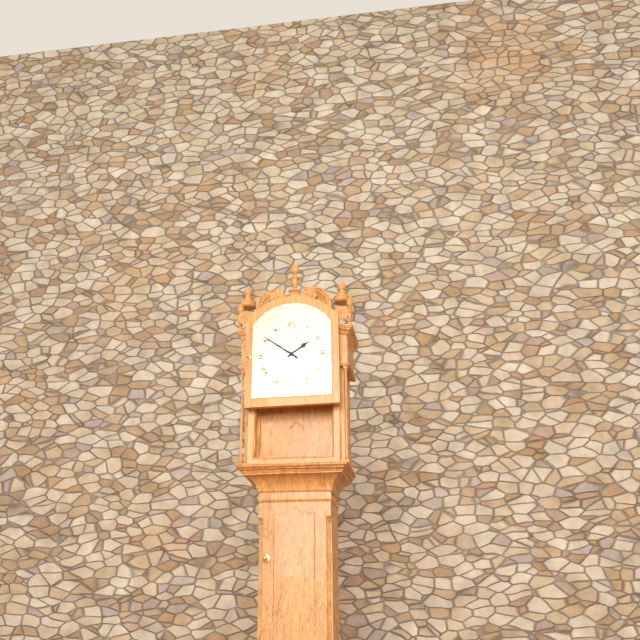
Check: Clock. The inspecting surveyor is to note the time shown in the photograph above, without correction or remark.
1:51
